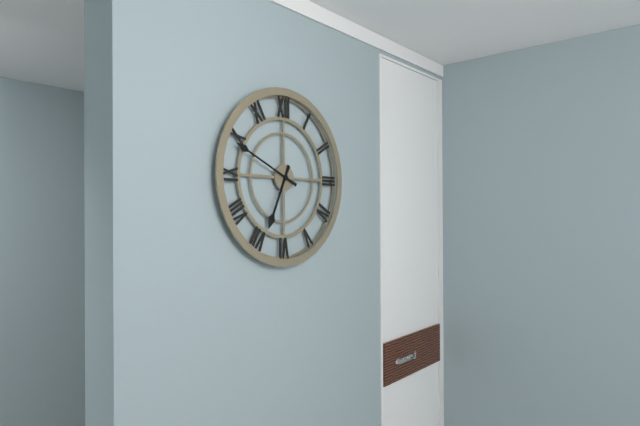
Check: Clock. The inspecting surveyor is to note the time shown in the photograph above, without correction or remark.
6:49
